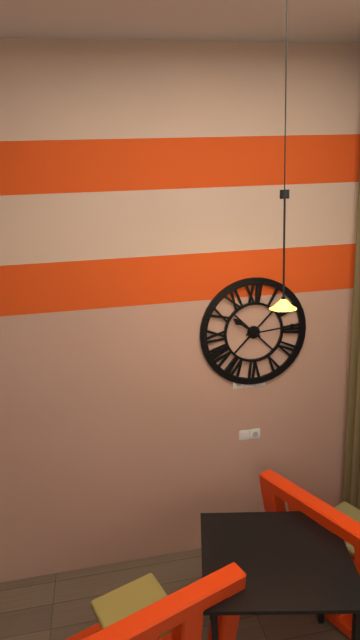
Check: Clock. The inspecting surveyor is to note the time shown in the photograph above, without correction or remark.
10:14
